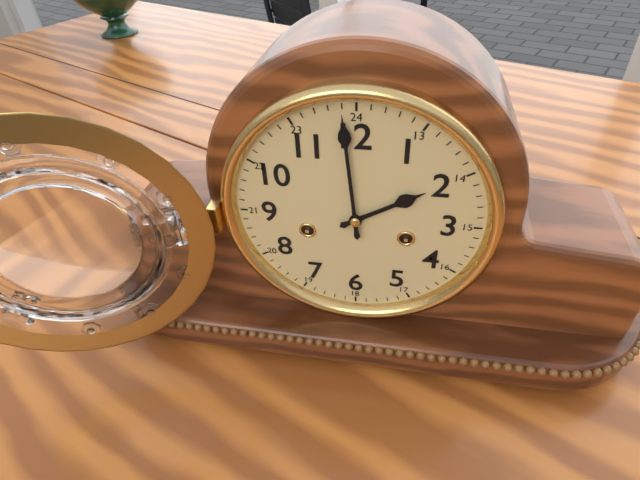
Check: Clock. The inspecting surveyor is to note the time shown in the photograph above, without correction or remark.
1:59
